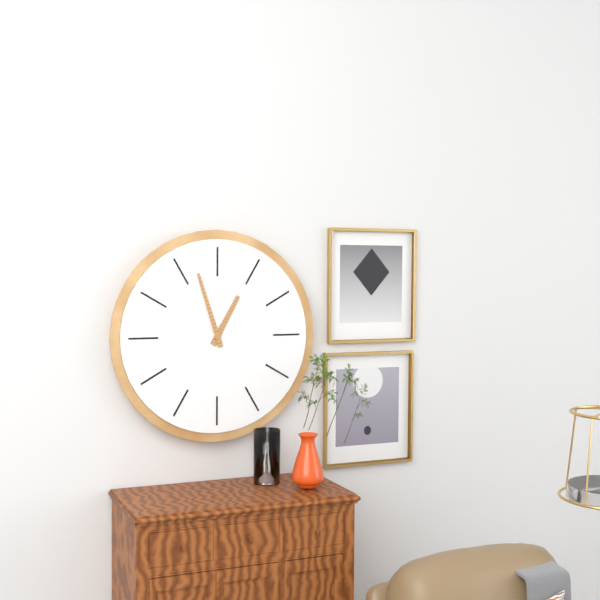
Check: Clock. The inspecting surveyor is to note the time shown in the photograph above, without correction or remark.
12:57
